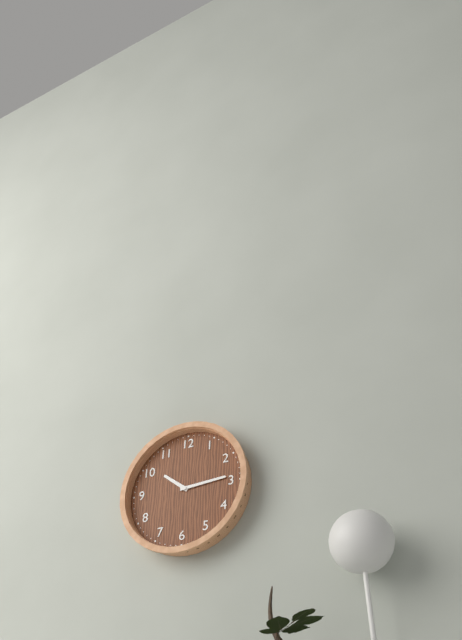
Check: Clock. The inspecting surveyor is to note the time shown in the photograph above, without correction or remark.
10:14
